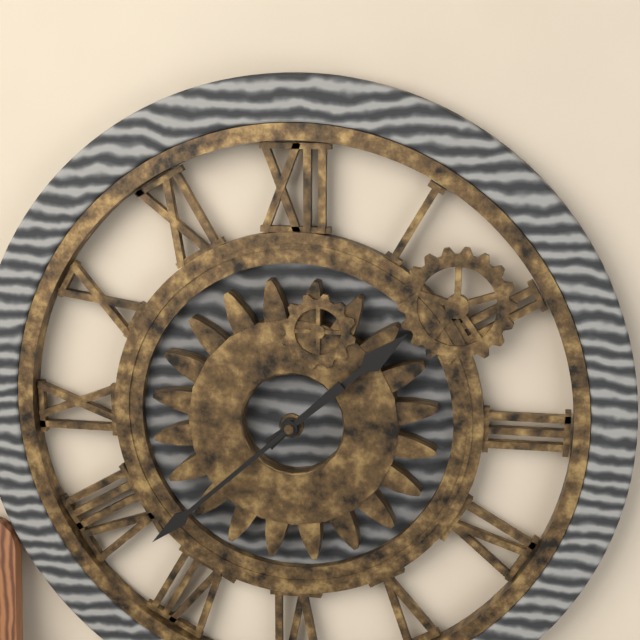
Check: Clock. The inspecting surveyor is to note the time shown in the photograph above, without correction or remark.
1:38
